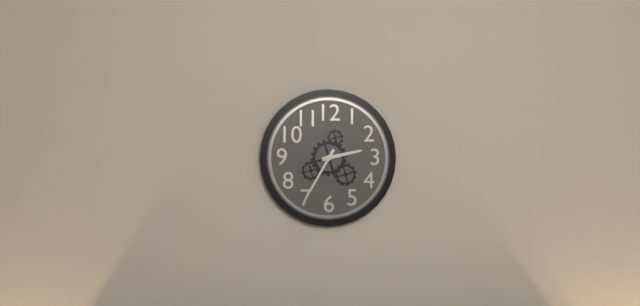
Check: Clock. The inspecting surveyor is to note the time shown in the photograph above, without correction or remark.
2:35
